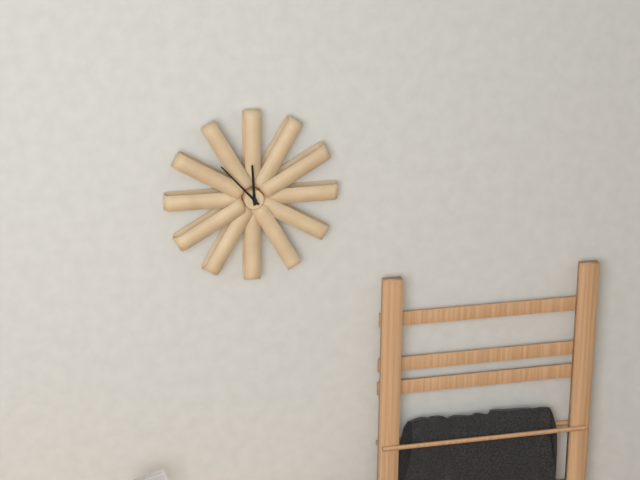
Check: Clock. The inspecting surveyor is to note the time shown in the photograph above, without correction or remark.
11:53
